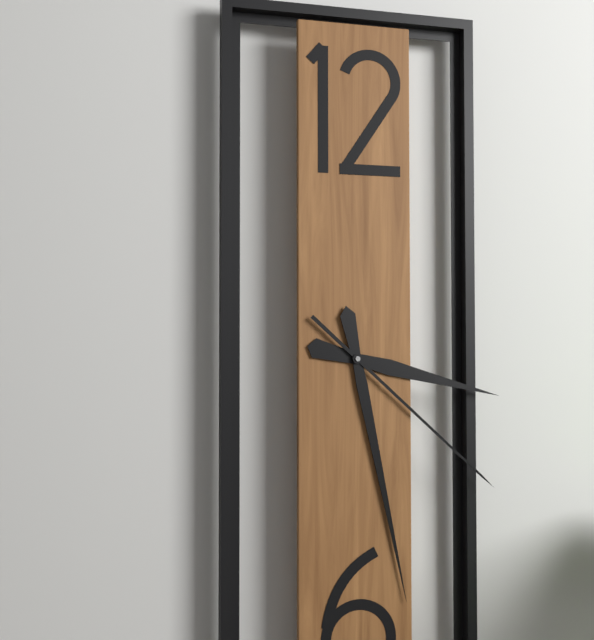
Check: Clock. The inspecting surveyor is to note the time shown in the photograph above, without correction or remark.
3:28:22
